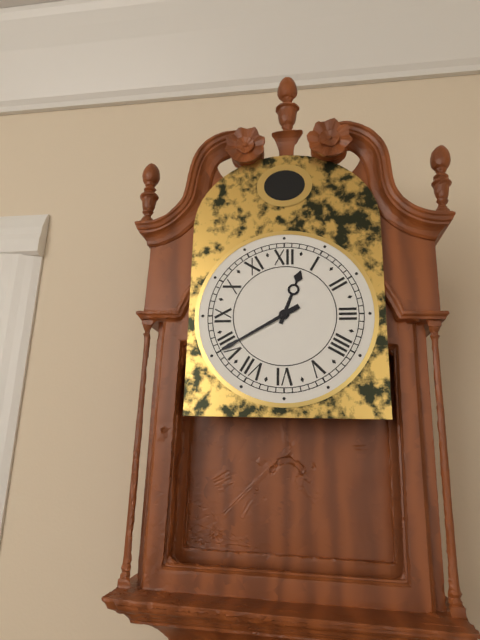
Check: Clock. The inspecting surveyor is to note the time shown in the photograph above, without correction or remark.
12:40
